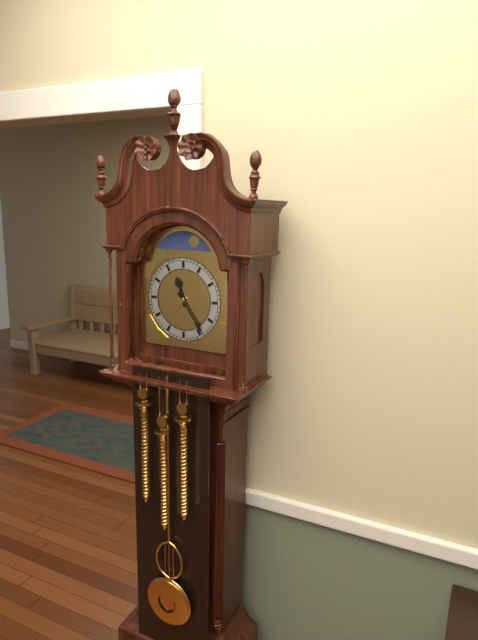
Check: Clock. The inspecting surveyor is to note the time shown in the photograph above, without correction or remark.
11:24
